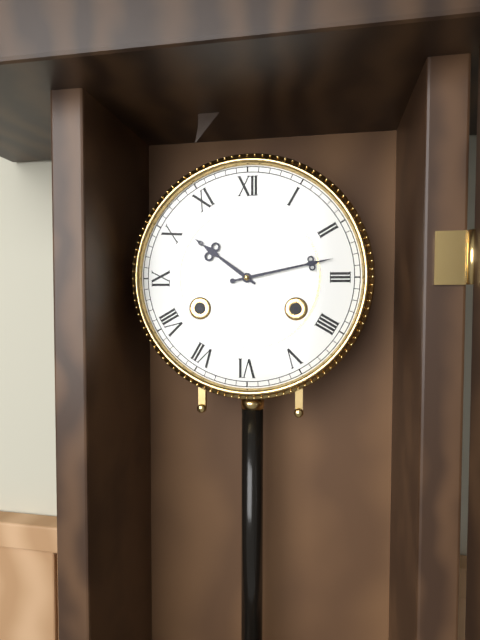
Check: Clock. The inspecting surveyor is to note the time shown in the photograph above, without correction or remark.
10:13
